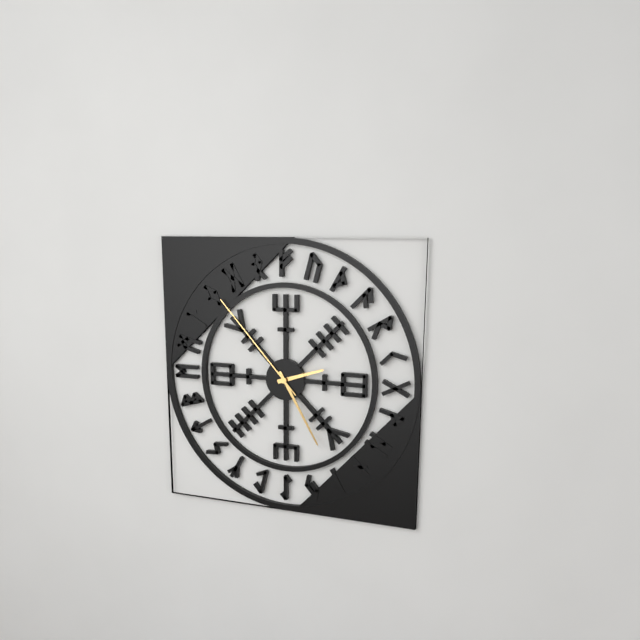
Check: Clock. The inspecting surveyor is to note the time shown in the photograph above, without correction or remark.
2:25:53
